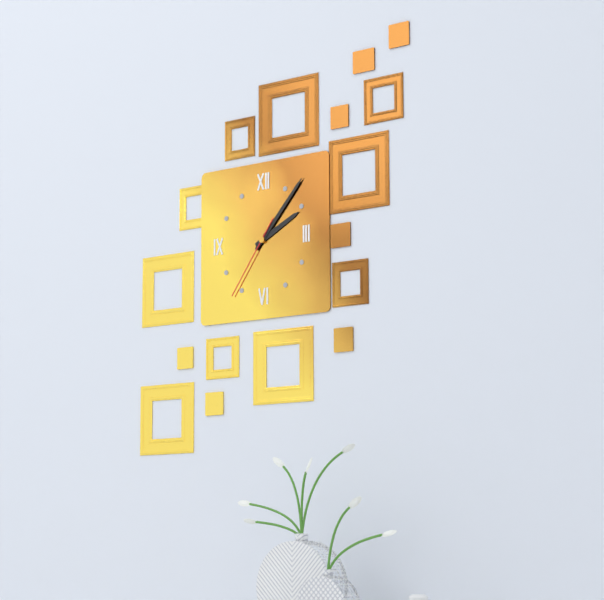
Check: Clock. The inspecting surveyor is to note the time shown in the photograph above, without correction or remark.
2:07:36
